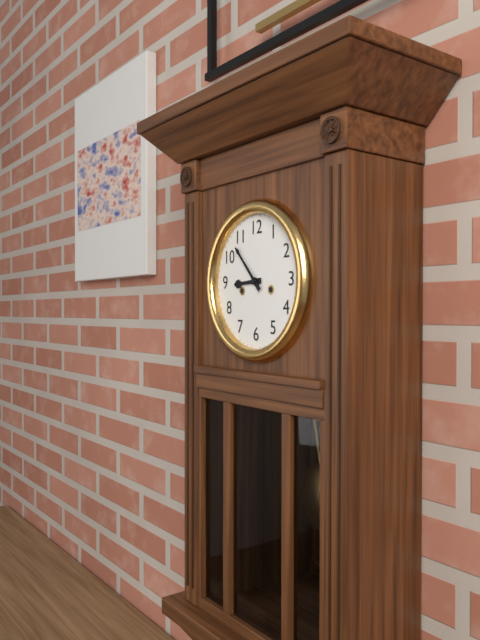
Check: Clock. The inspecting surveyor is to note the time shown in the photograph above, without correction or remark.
8:53
